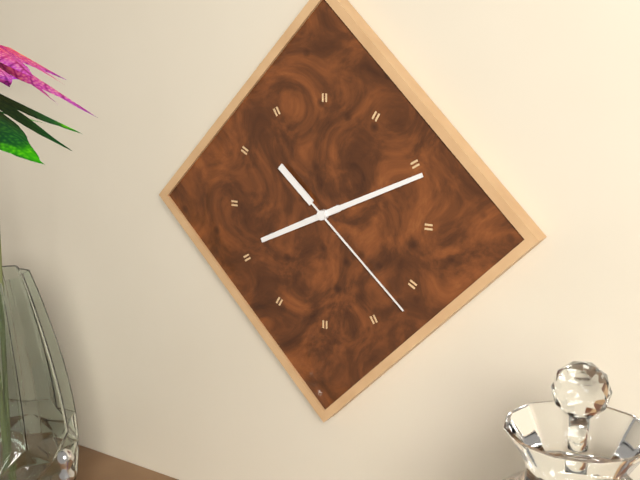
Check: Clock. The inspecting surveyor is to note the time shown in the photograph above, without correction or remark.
8:11:22
